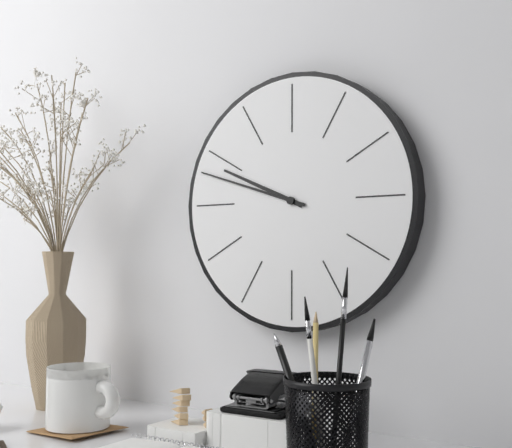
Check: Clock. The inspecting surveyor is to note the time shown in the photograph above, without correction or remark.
9:48
